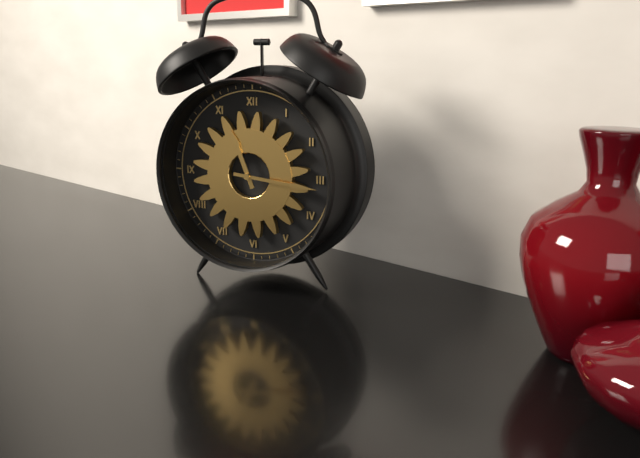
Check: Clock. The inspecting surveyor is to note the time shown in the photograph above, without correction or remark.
11:16
